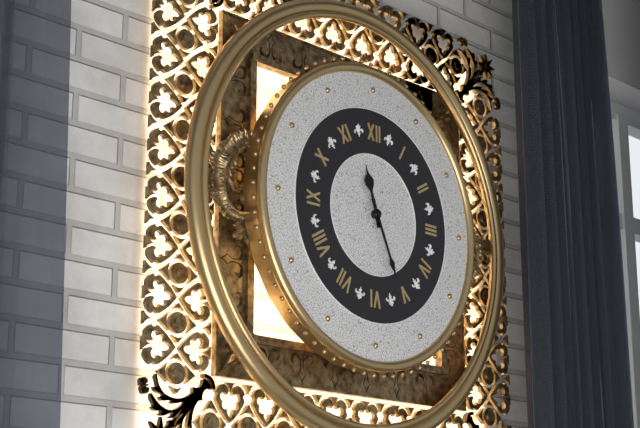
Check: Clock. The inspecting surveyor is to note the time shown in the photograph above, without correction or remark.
11:26
